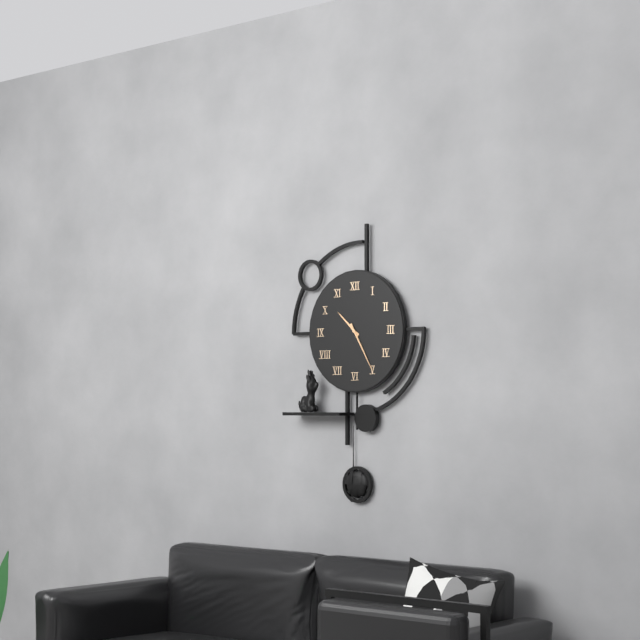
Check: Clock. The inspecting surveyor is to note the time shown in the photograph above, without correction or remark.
10:25
